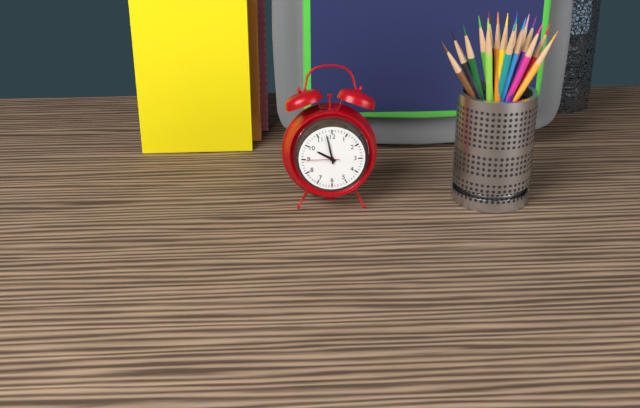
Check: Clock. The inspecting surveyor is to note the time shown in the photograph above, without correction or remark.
9:58
